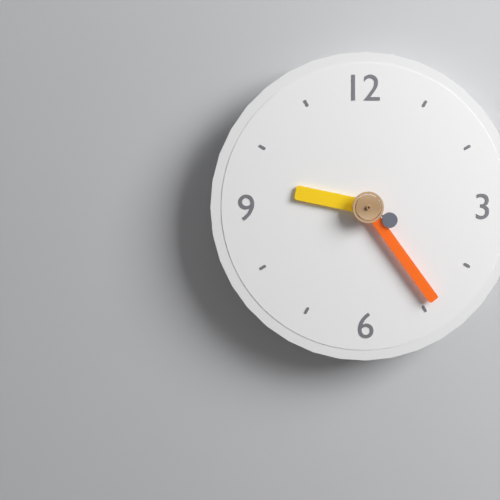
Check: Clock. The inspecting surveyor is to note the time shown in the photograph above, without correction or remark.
9:24
